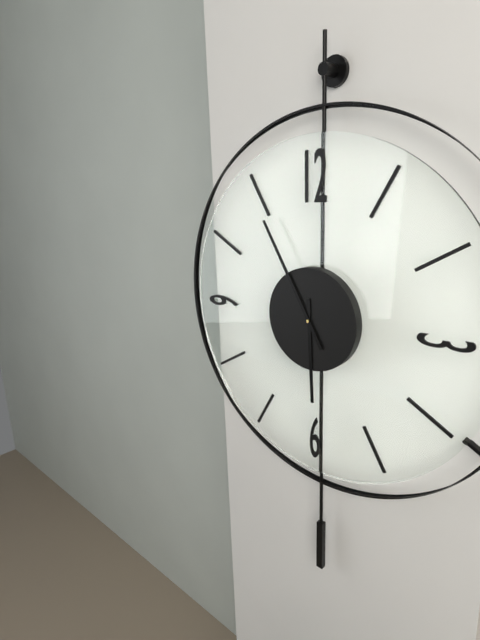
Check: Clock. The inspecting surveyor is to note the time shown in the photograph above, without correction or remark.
5:55
